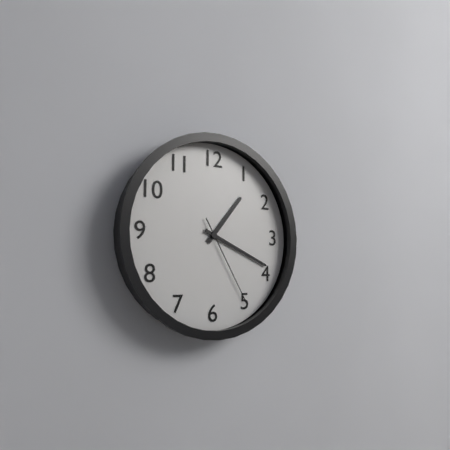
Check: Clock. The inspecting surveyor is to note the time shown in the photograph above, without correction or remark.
1:19:25
